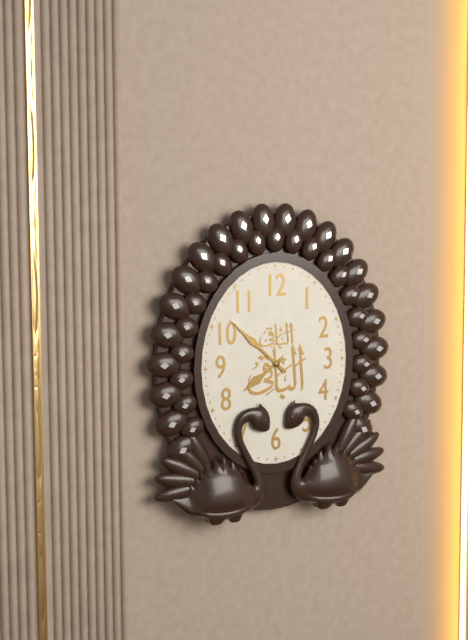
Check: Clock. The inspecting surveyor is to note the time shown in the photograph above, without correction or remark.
7:52
